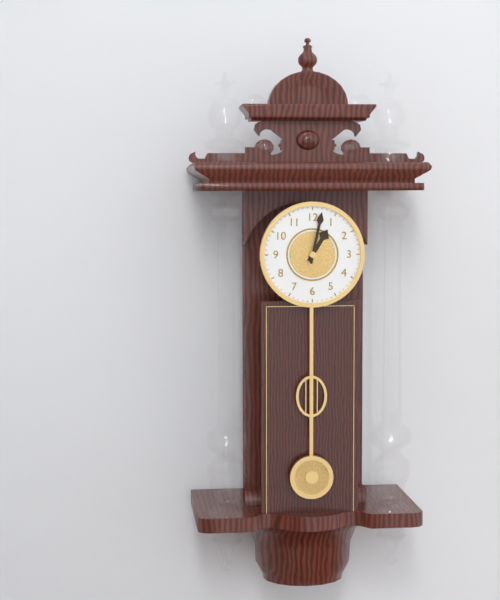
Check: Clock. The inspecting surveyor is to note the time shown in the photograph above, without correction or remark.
1:02
